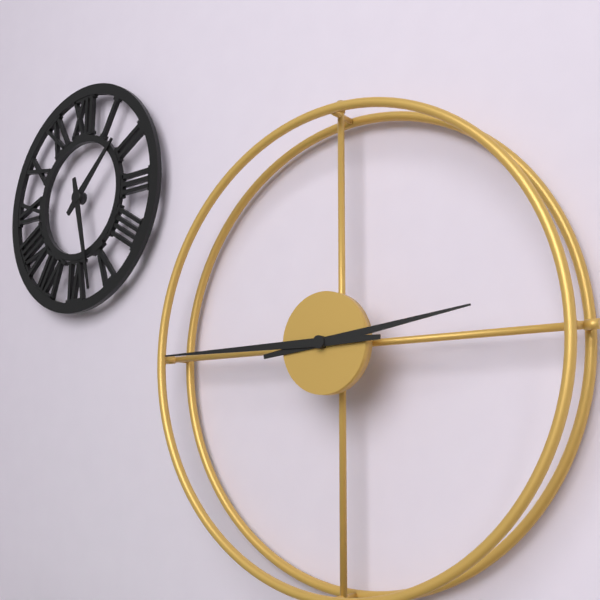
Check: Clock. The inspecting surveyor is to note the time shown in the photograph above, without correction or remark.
2:45
